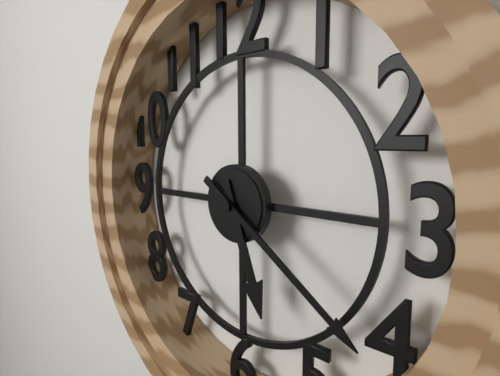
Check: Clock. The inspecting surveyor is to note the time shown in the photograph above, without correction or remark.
5:21
